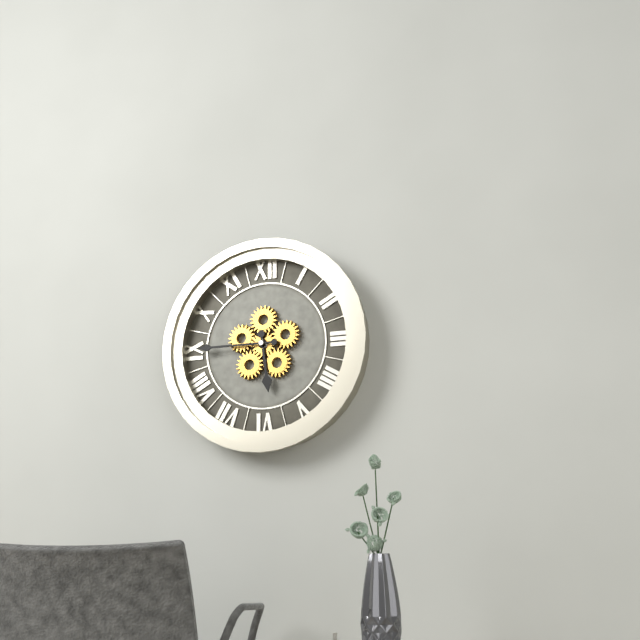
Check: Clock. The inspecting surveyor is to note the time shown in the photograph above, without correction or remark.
5:45
